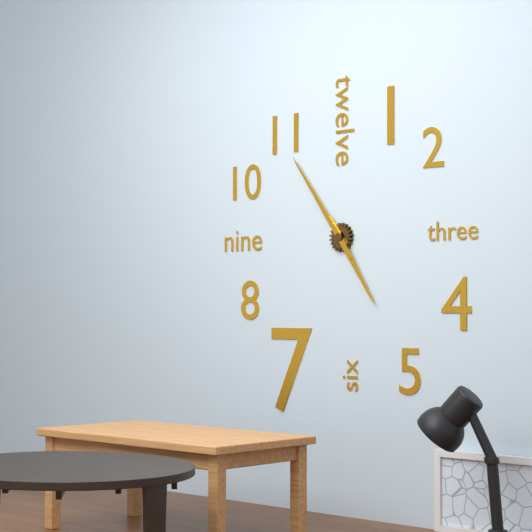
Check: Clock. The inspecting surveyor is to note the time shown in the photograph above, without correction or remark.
4:54
